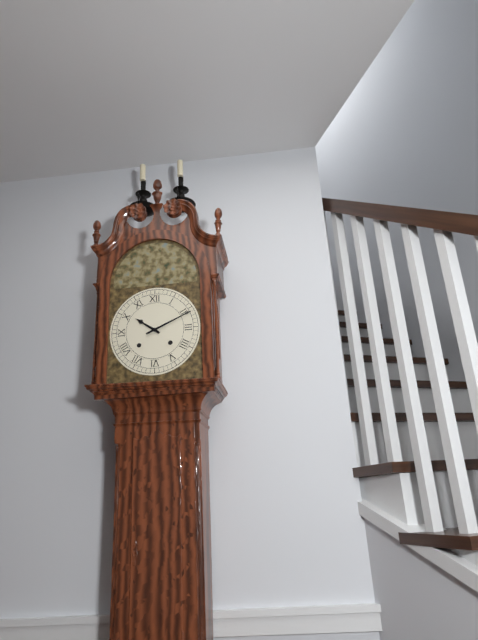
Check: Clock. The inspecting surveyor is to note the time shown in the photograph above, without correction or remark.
10:11
